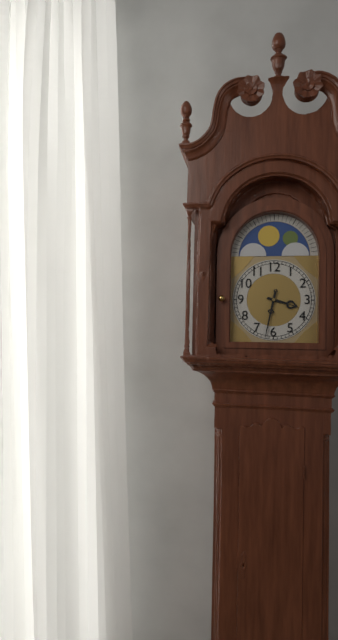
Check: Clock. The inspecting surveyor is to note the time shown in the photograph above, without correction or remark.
3:32
